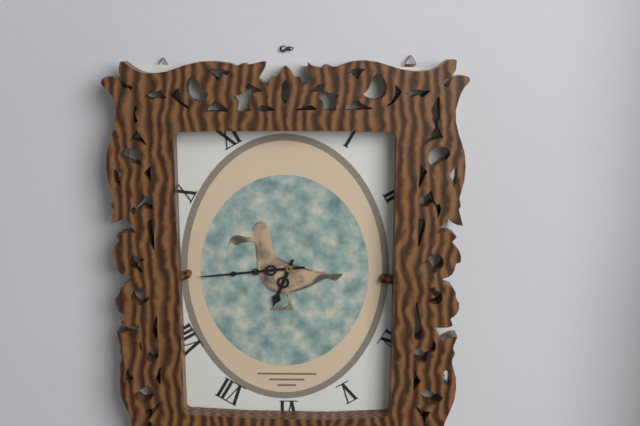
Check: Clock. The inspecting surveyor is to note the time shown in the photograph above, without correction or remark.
6:44
